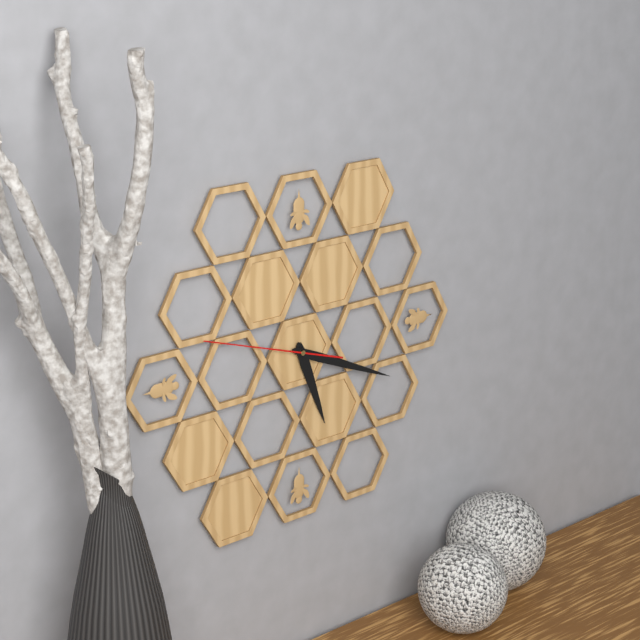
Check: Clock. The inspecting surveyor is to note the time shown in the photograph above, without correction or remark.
5:19:48
